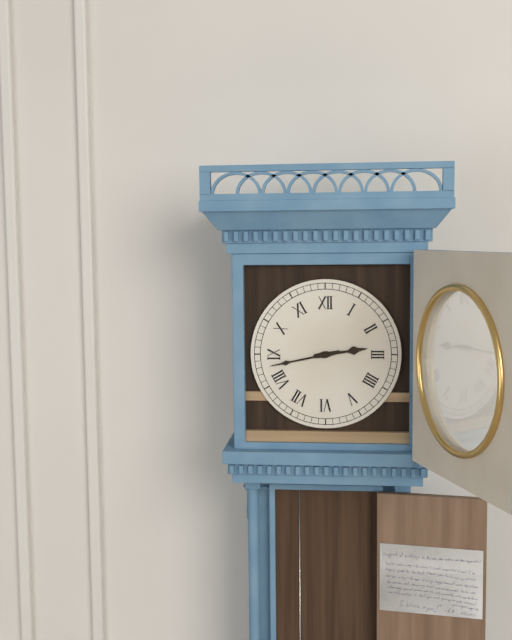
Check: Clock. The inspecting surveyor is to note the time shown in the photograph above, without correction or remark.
2:43
